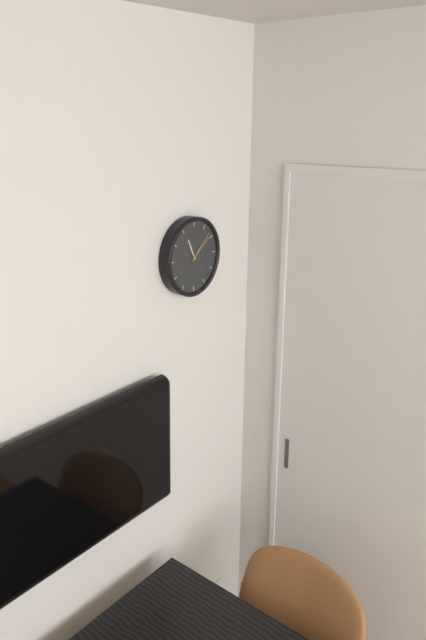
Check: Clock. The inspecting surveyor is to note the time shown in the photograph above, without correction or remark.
11:08
